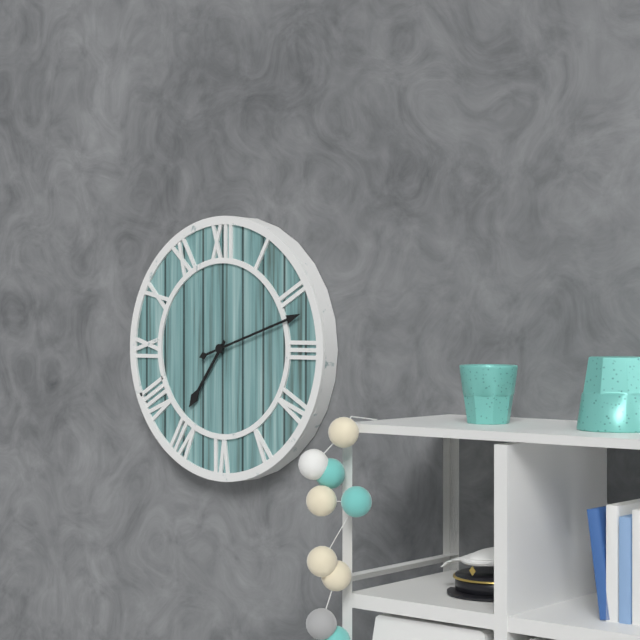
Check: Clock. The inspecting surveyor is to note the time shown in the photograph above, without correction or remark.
7:12
